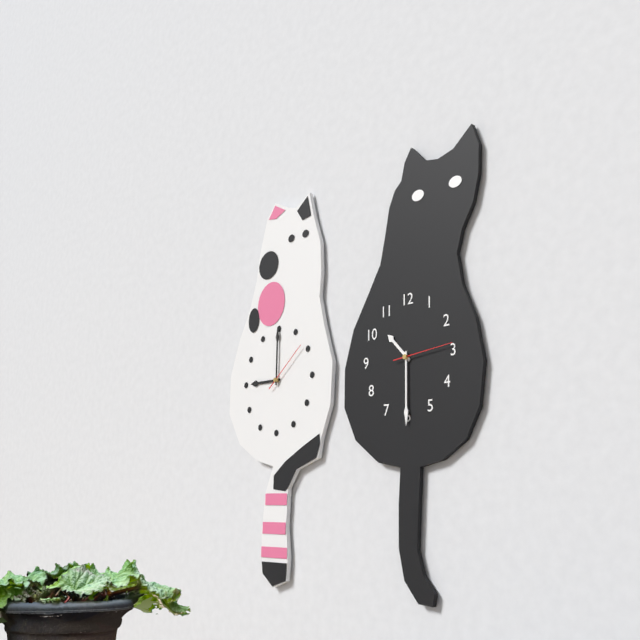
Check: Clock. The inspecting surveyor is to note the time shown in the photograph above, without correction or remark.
10:30:14
